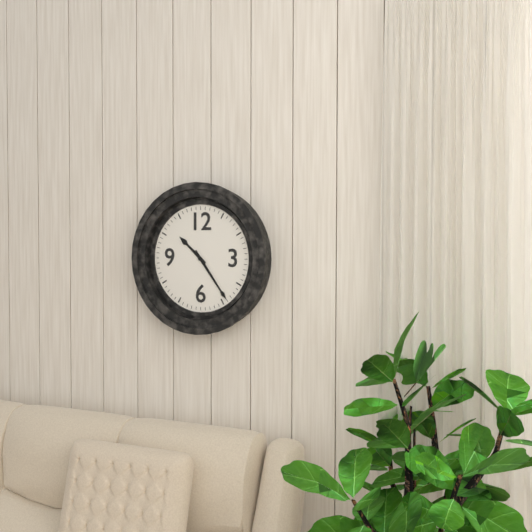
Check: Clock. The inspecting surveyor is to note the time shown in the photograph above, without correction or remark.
10:24
